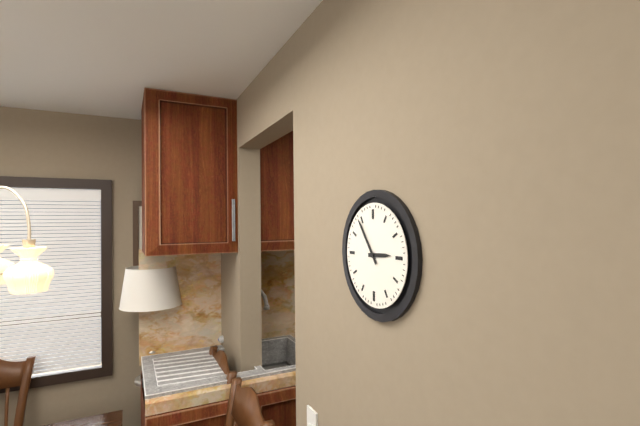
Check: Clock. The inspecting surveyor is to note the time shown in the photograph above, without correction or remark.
2:54
